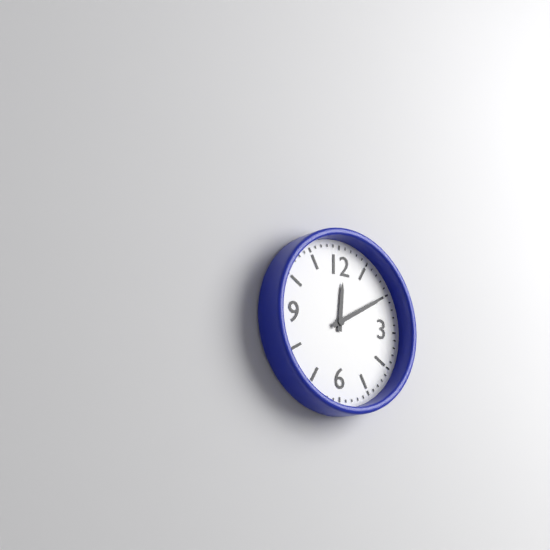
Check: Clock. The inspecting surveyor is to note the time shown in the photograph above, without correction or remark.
12:10
